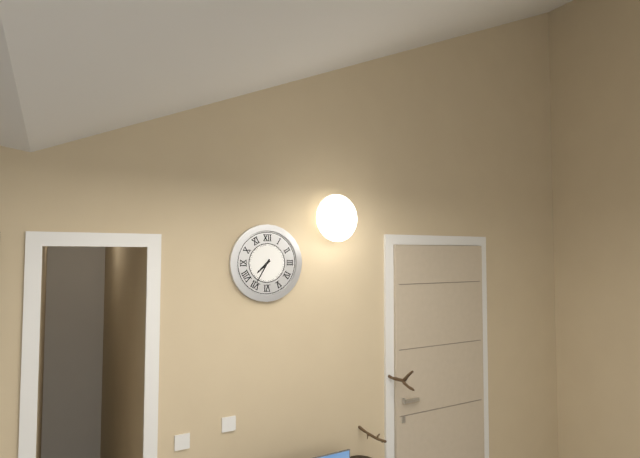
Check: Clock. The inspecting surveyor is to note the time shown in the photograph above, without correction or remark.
7:35
